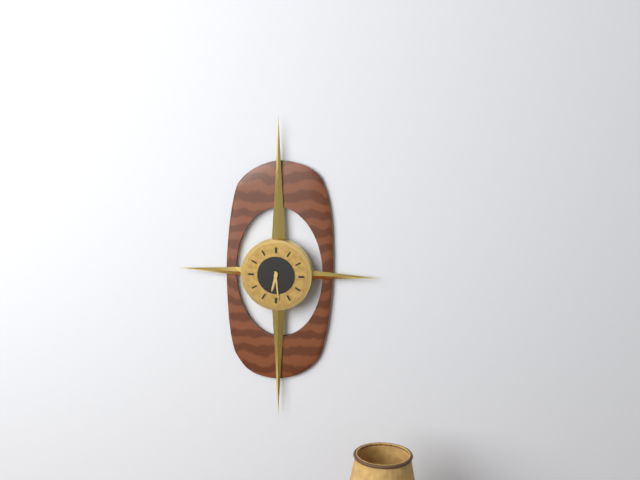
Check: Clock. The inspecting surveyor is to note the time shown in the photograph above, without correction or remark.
6:29
